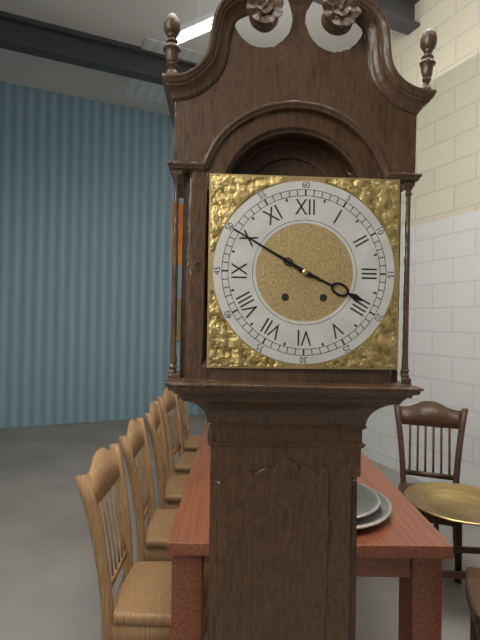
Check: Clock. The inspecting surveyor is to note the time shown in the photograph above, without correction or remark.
3:50
